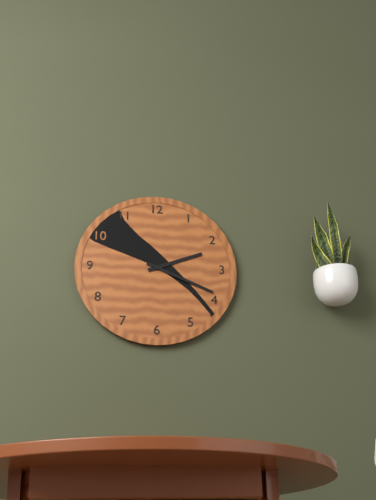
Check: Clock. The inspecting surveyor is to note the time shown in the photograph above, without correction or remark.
2:19
